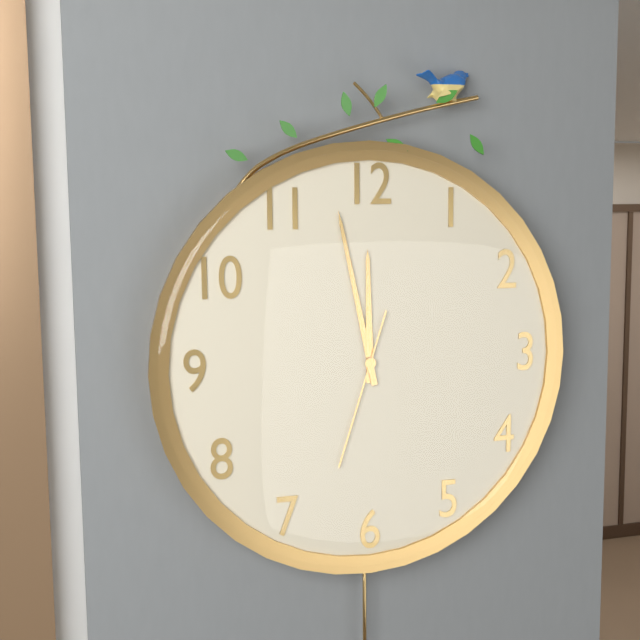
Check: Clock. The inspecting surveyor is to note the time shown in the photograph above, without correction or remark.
11:58:33
